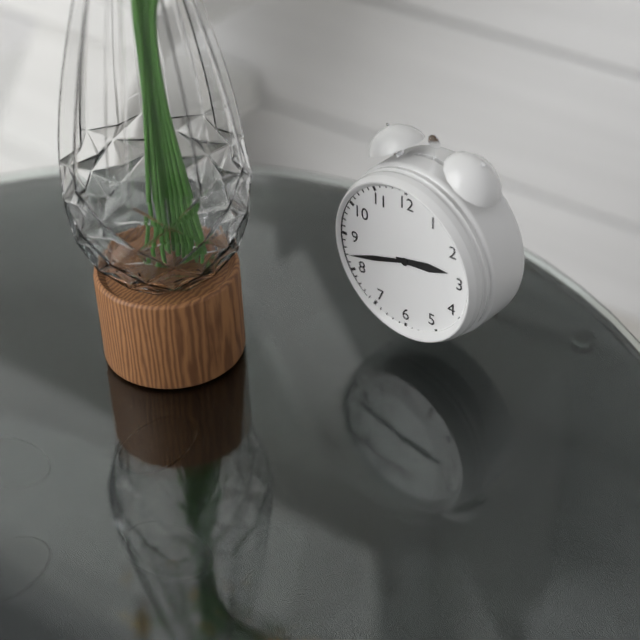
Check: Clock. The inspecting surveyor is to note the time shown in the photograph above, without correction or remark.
2:42
